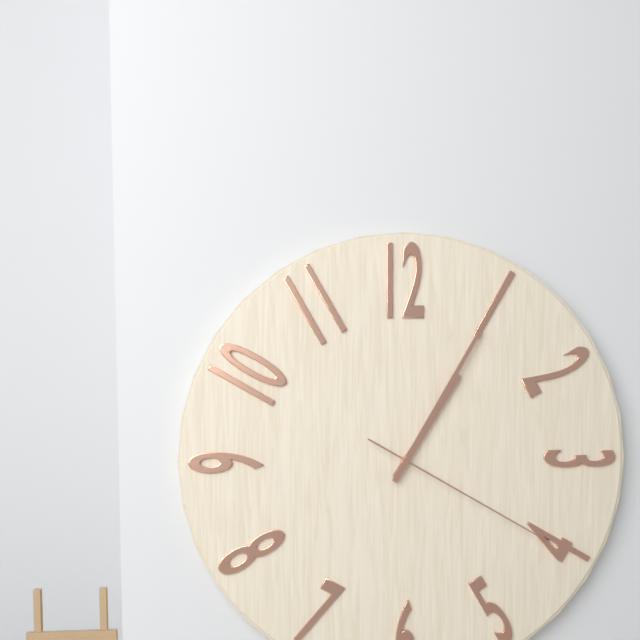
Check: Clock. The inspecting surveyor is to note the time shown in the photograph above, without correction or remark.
1:05:20
